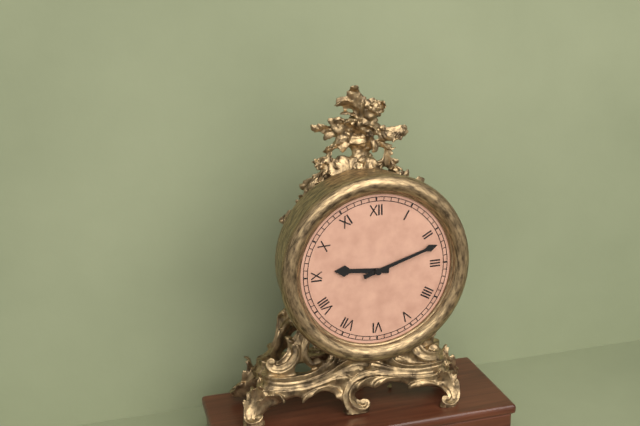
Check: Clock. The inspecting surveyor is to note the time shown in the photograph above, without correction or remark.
9:12
